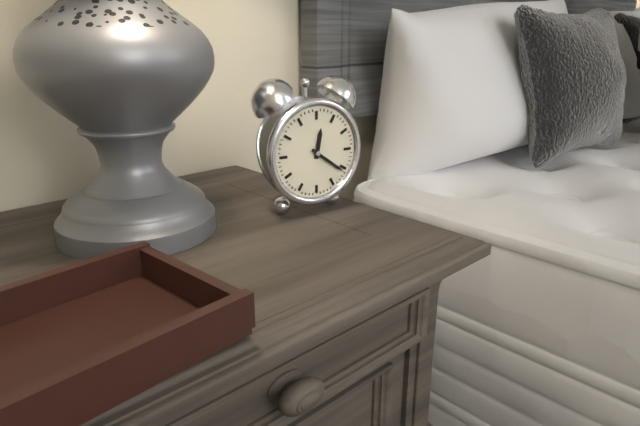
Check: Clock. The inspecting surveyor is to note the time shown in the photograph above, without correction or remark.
12:21
